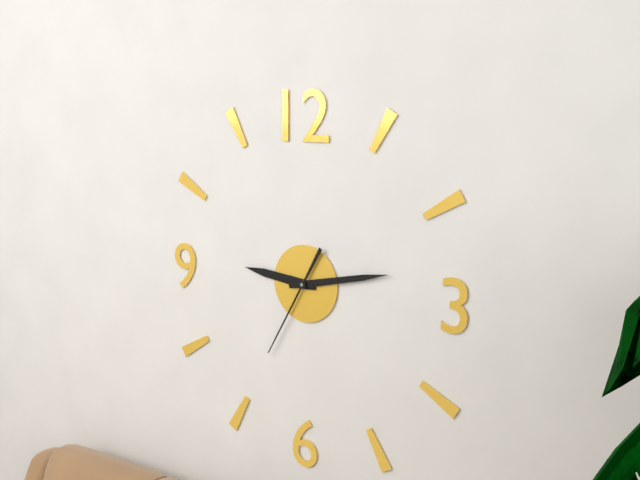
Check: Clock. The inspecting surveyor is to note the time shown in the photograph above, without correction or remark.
9:13:35
